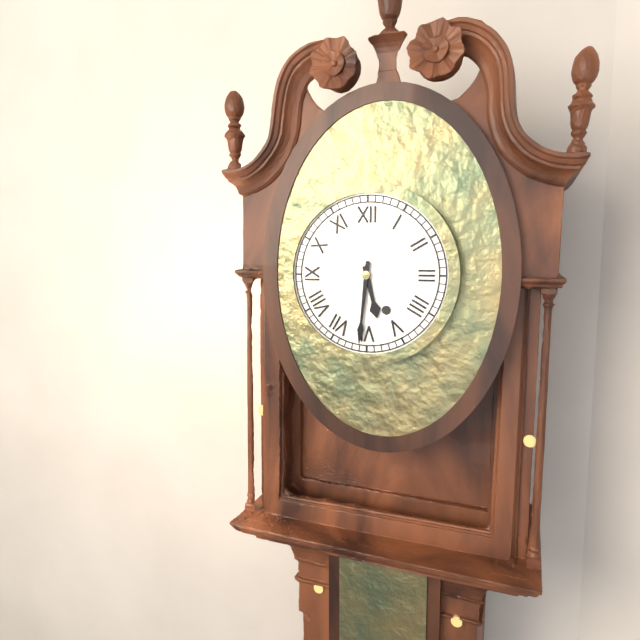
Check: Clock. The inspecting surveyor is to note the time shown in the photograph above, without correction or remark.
5:31
